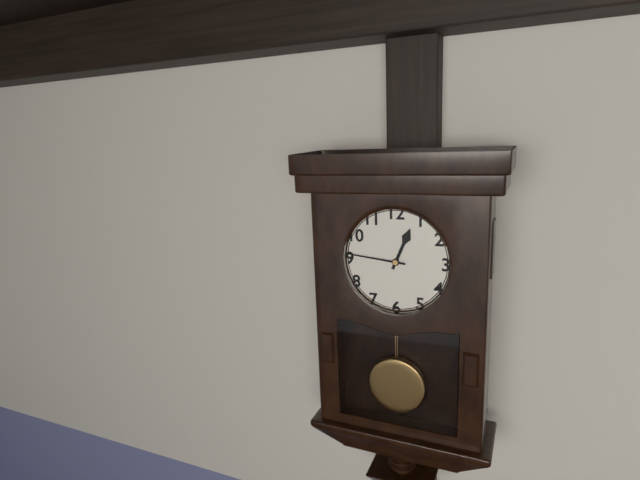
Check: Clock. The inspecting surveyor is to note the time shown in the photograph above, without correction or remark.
12:46
